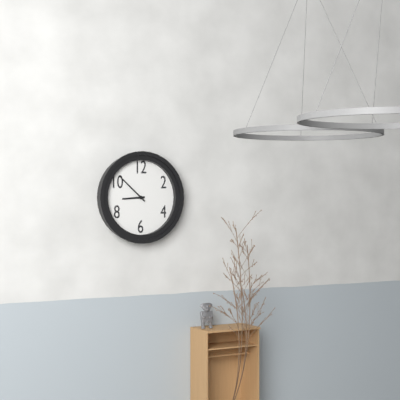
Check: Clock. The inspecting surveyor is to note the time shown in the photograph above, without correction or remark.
8:52
